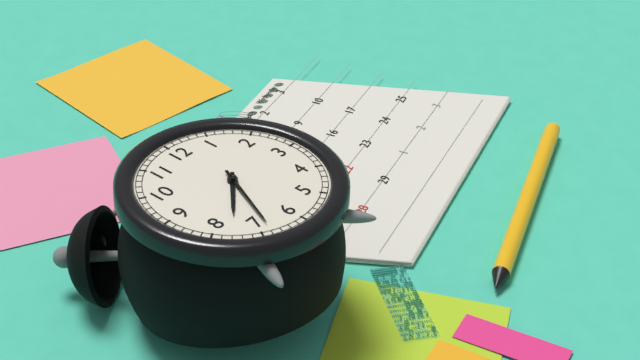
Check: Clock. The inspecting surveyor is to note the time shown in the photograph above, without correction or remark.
7:34
